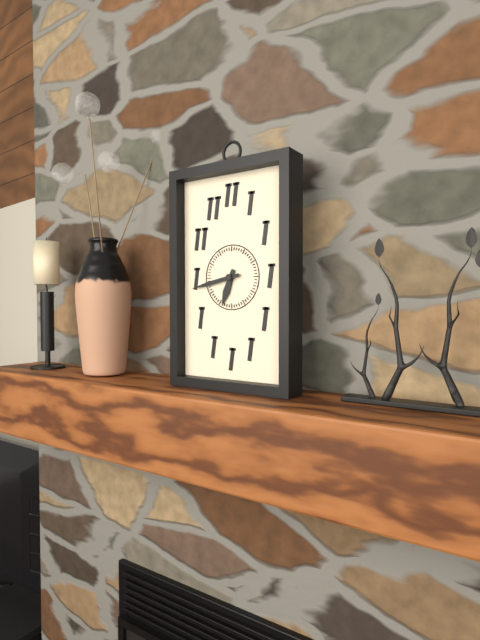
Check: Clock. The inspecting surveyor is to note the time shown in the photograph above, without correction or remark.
6:43
